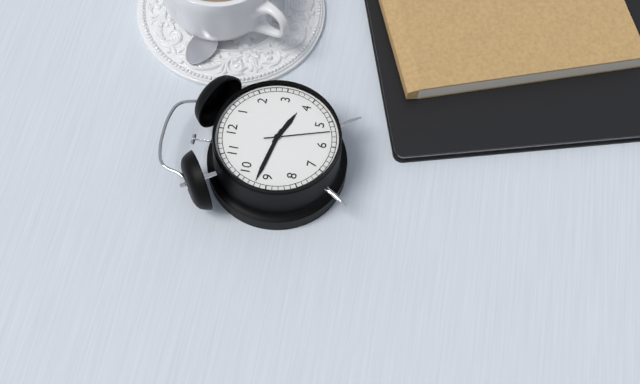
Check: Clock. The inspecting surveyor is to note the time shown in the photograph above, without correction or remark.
3:47:27
